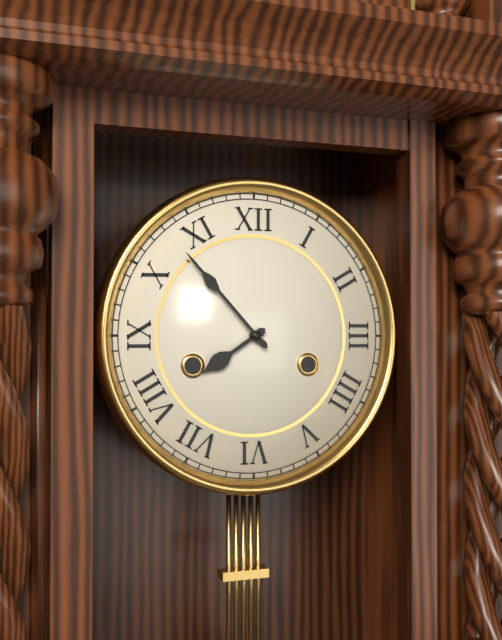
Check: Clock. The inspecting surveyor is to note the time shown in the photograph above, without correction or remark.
7:53
